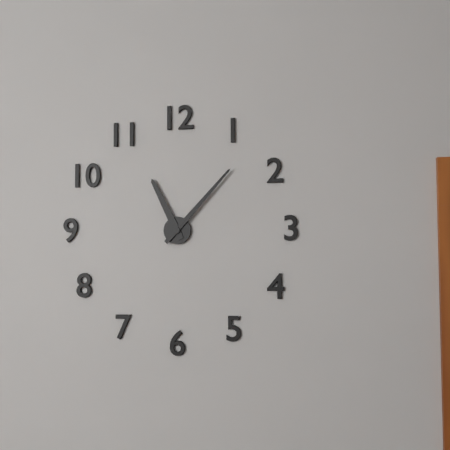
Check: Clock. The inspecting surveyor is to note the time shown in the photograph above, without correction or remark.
11:07
